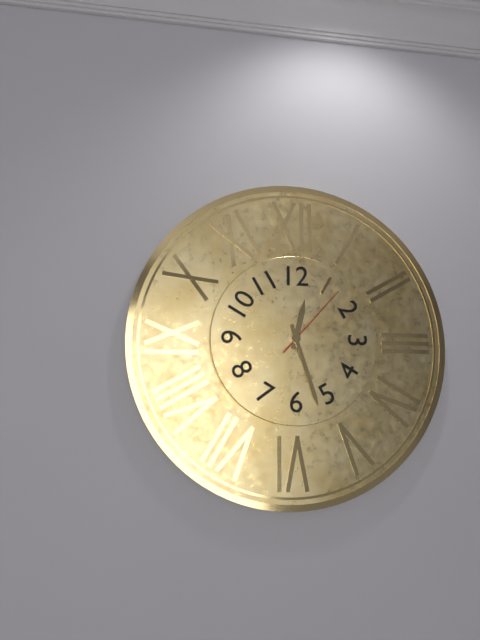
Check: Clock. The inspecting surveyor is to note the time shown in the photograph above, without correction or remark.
12:27:07
